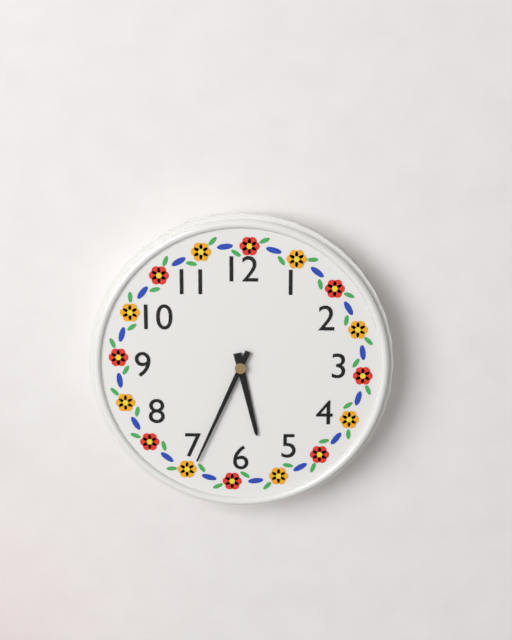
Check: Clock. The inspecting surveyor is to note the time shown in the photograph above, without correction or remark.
5:34
